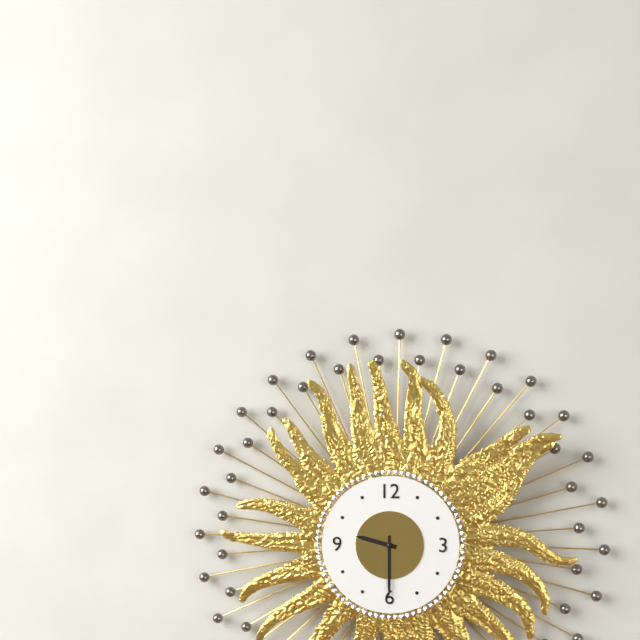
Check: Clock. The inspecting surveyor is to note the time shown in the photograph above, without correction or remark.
9:30
